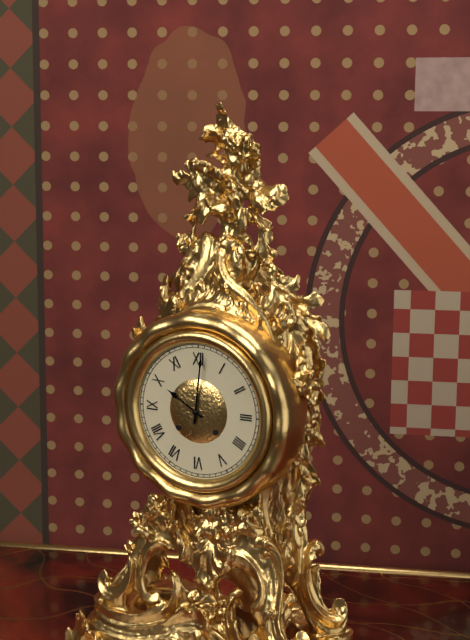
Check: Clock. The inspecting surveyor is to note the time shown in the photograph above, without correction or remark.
10:01
